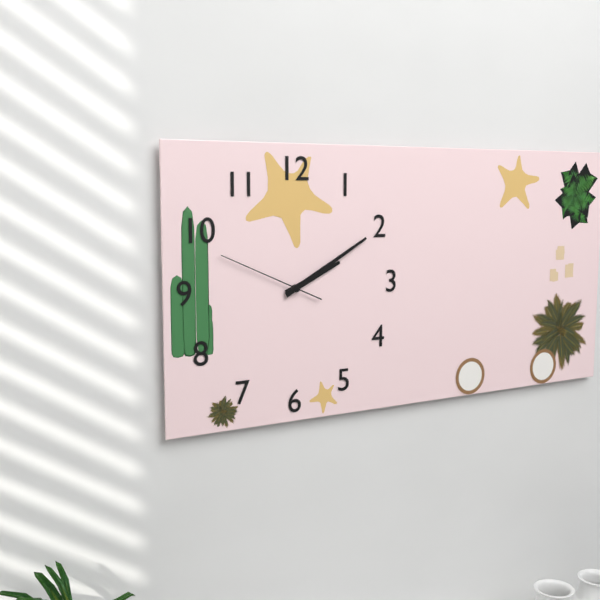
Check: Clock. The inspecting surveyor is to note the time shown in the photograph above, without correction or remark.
2:10:49
